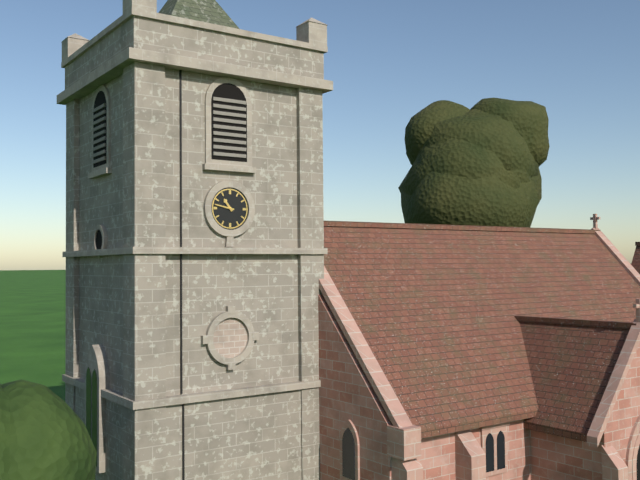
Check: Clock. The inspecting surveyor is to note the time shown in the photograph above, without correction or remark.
10:47
